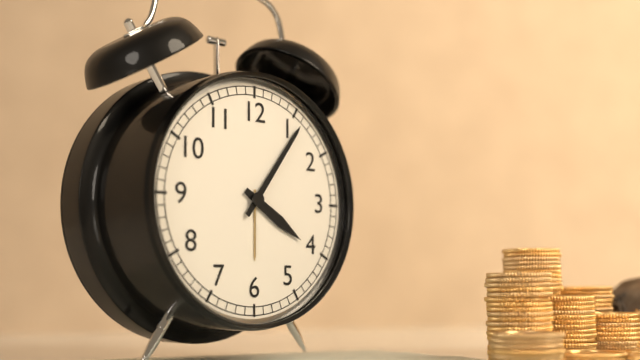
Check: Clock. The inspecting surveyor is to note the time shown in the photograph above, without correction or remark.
4:06
